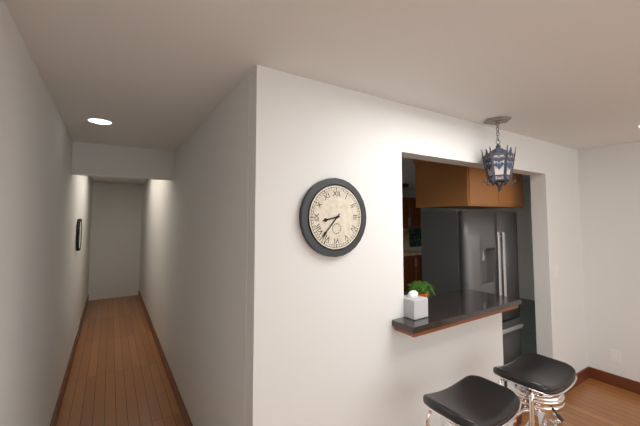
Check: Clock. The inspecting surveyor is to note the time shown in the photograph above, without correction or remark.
8:37
